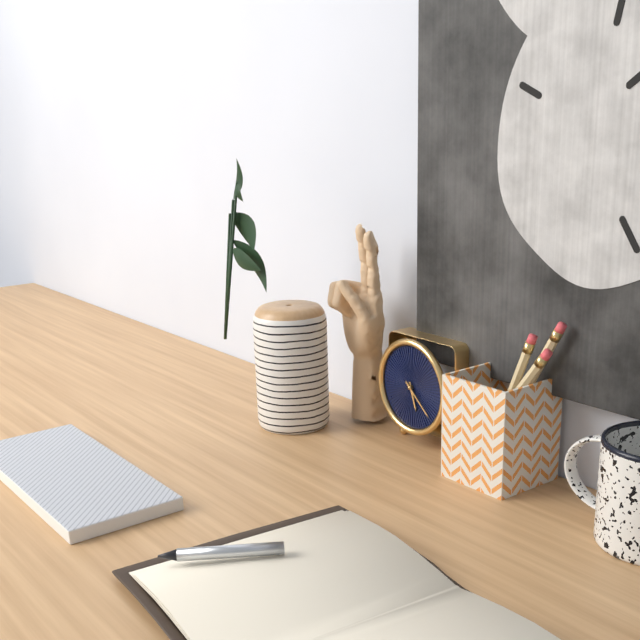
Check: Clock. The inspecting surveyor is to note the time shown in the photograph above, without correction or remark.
5:22
